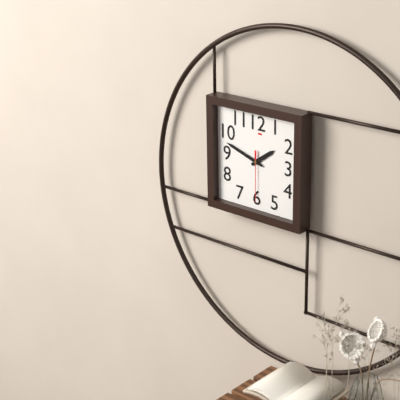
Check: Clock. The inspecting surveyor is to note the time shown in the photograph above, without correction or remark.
1:48:30
